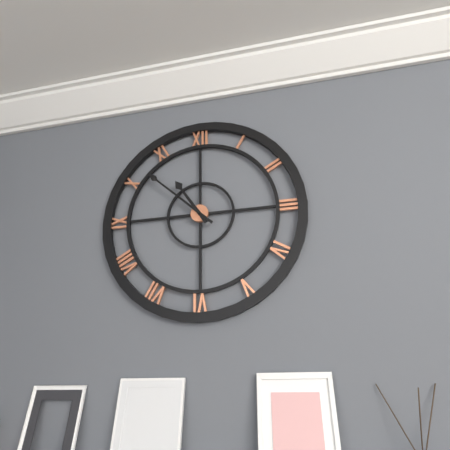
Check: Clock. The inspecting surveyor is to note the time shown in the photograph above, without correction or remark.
10:52
